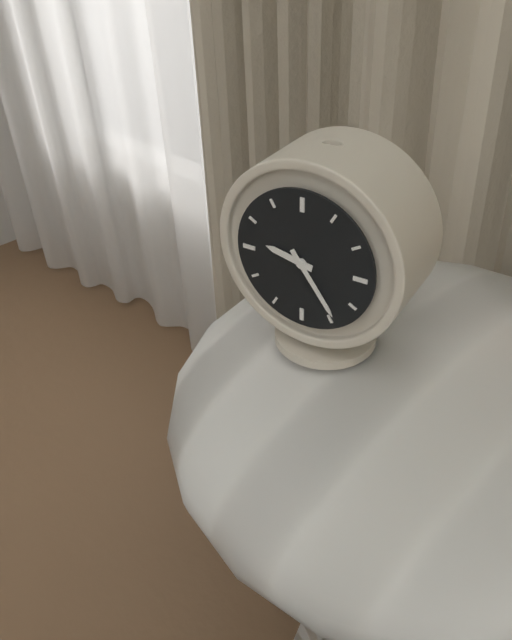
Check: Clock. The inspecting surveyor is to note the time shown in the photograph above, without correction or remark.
9:24
